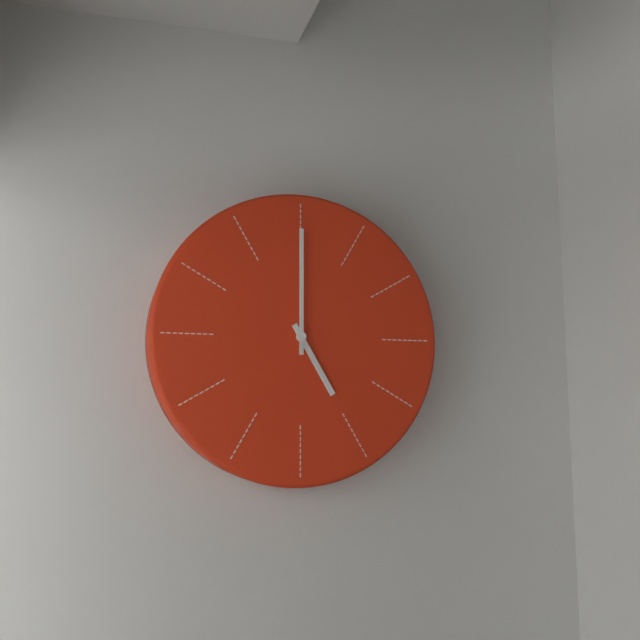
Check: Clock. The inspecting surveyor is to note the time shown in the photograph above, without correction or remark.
5:00
